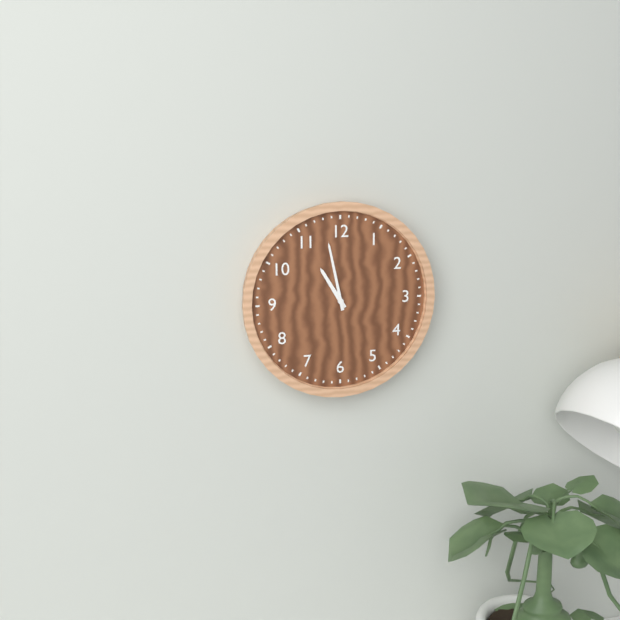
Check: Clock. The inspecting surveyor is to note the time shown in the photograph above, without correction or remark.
10:58
